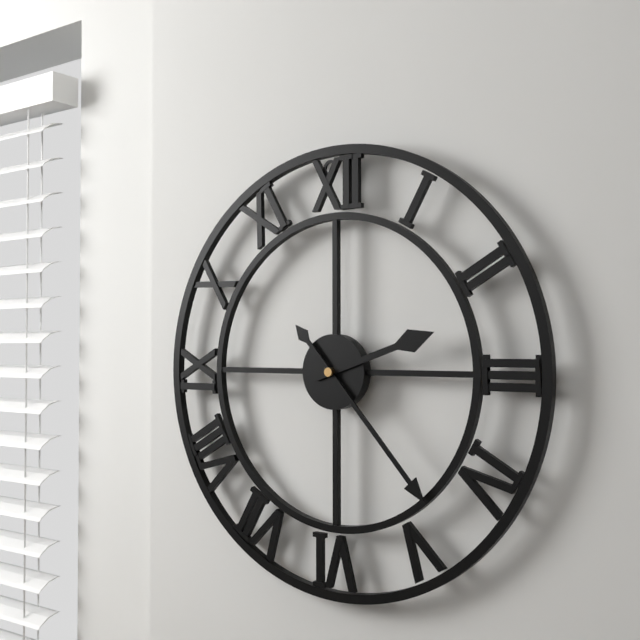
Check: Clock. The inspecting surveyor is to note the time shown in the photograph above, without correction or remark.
2:23
